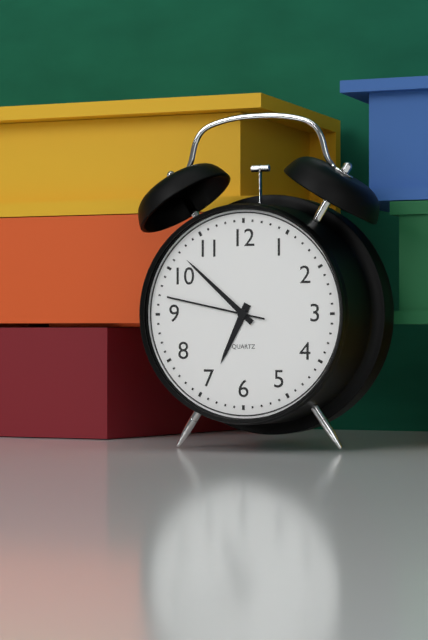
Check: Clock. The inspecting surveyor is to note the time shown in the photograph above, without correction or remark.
6:52:47
